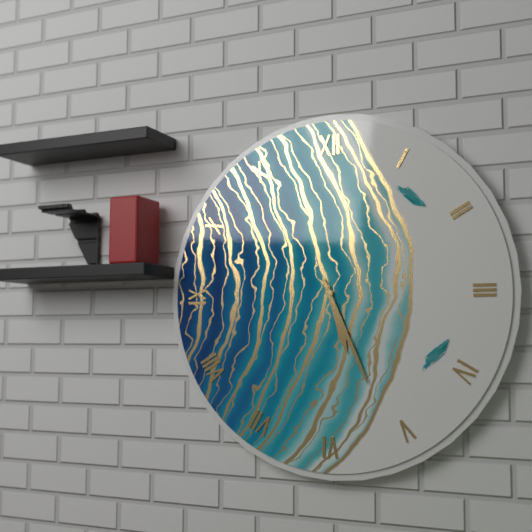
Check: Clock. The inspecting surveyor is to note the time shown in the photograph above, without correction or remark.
5:26
